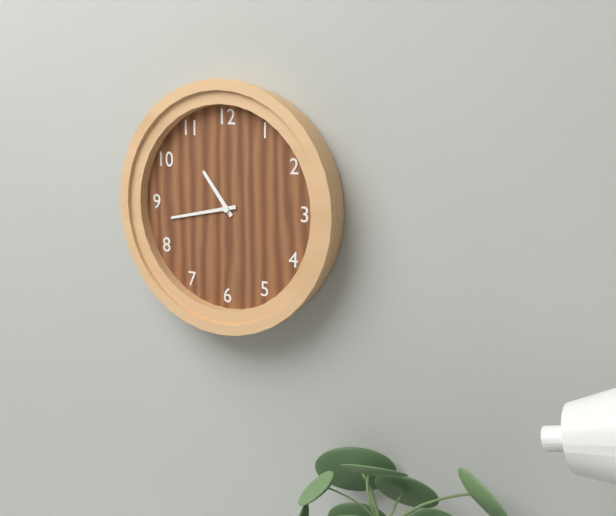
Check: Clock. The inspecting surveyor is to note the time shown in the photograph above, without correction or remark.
10:43
